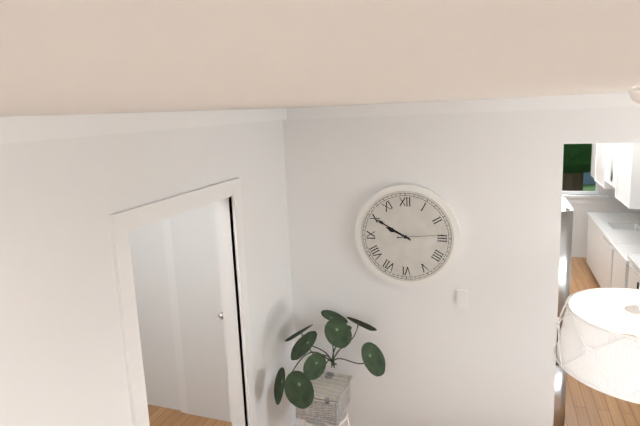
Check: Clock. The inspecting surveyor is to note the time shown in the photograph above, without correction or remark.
9:50
